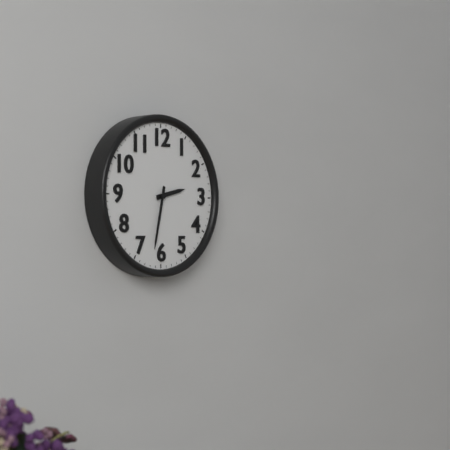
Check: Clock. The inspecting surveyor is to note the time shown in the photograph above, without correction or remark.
2:32
